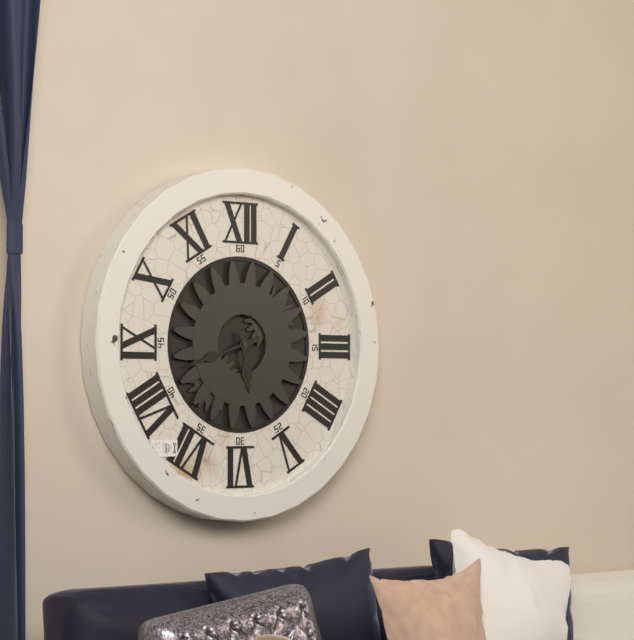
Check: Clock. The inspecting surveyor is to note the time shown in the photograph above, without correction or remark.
5:42
